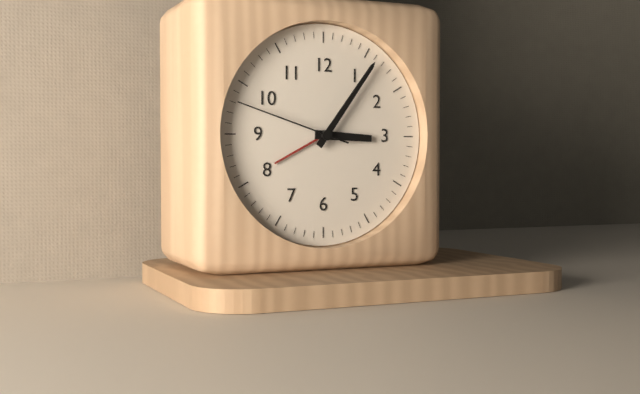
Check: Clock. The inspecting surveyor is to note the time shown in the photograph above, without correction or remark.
3:06:48
